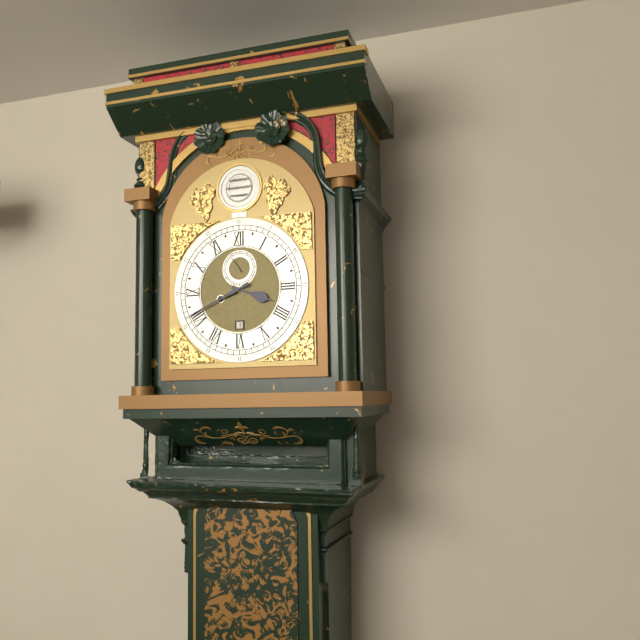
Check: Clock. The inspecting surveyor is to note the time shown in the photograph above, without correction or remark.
3:41
